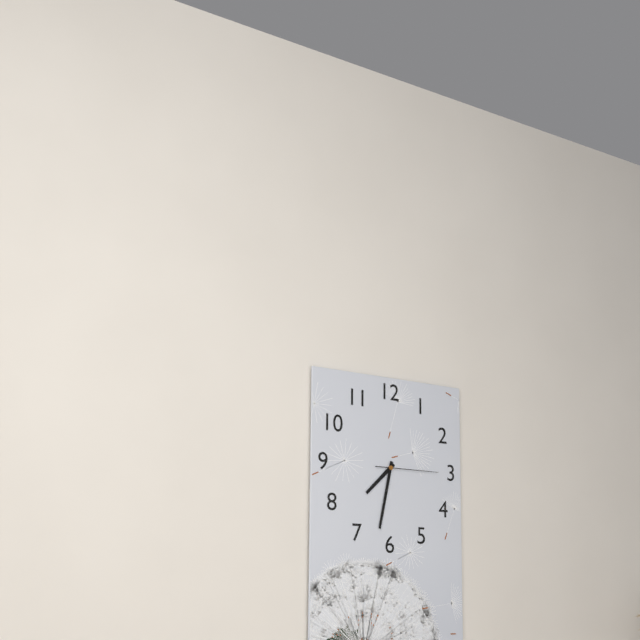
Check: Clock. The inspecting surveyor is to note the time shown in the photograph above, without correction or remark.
7:32:15
